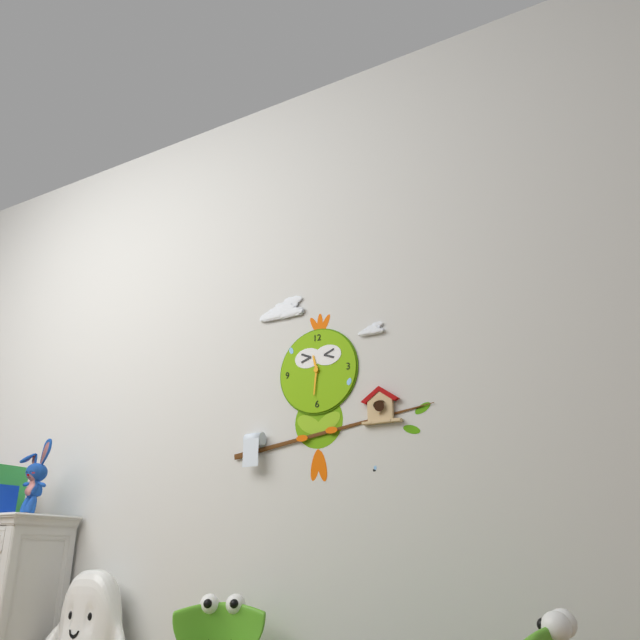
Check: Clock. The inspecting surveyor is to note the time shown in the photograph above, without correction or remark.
11:31
